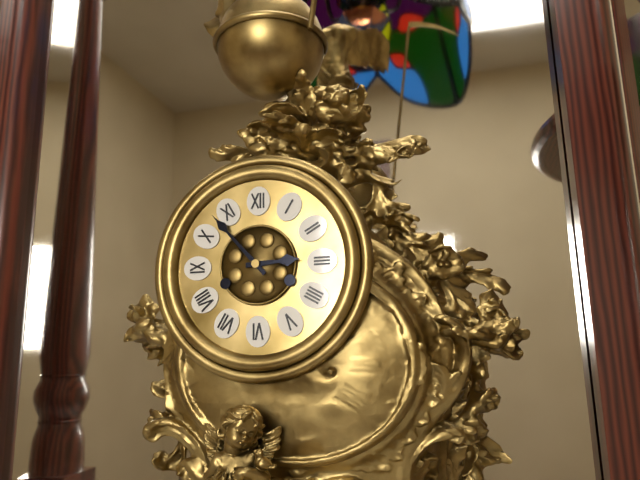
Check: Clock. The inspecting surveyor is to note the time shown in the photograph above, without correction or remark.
2:53
